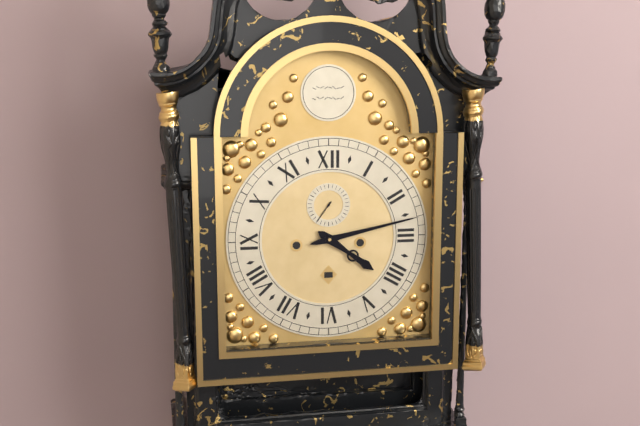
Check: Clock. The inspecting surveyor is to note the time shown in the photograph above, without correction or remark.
4:13
